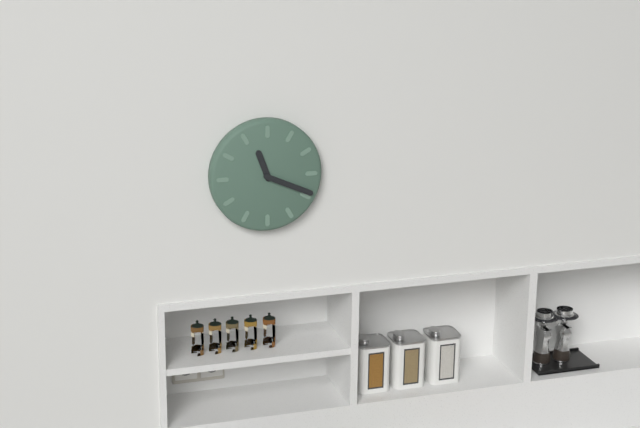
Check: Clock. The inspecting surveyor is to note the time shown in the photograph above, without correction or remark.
11:19
